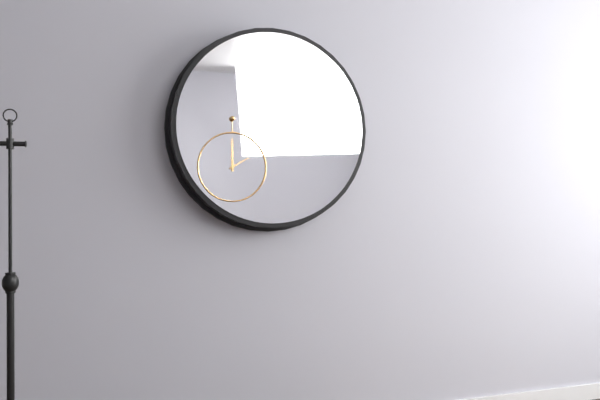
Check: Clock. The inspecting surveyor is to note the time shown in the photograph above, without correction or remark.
2:00
